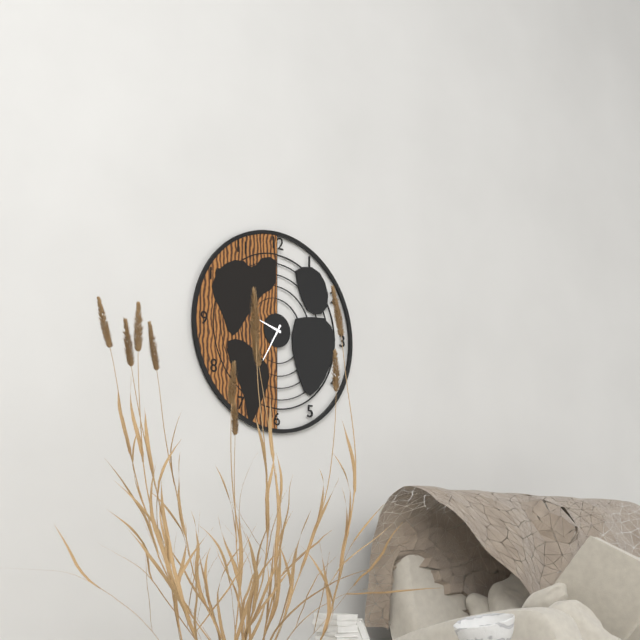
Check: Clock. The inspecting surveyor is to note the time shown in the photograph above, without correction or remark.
9:35
